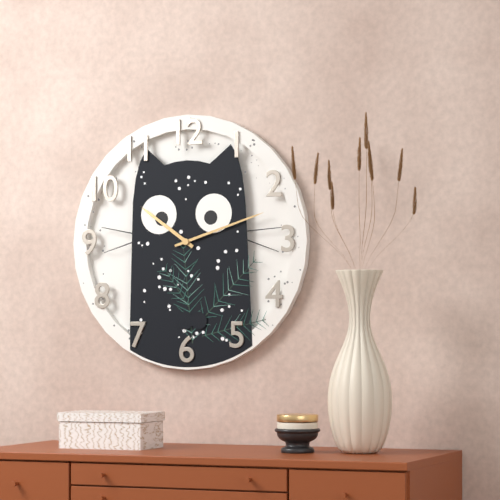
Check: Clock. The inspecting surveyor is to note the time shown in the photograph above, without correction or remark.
10:12
